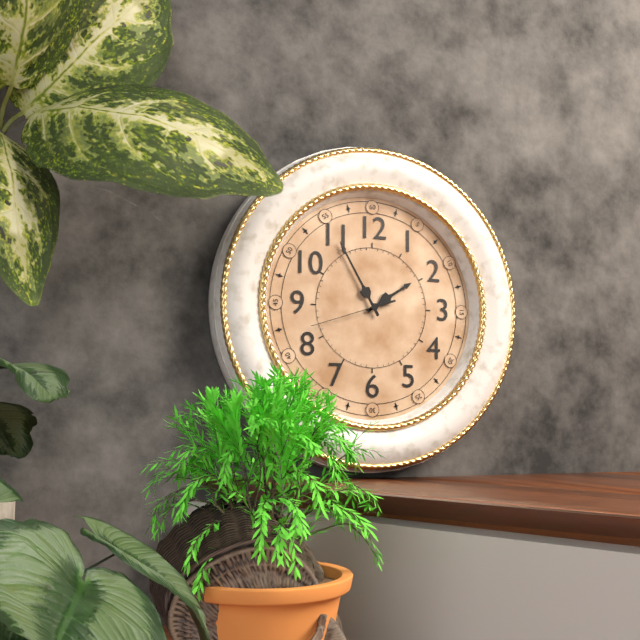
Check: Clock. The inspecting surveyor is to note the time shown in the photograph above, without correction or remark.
1:55:42
